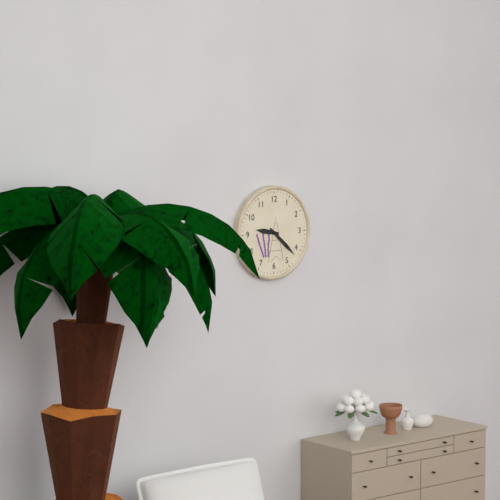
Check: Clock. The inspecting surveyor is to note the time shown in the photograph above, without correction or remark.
9:22
